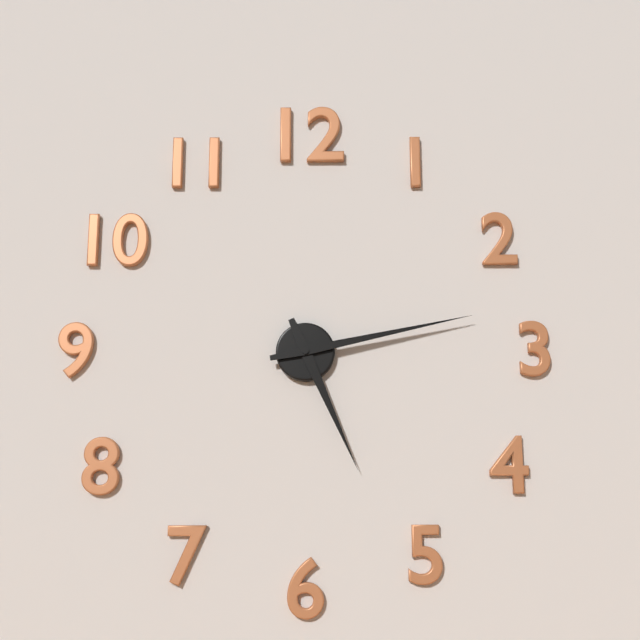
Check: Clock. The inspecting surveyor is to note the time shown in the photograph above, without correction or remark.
5:13
